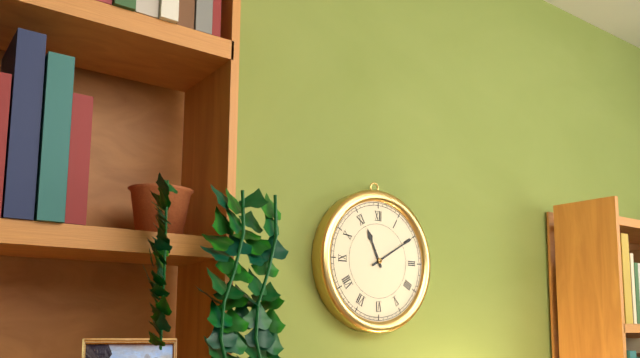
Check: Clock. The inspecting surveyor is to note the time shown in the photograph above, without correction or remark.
11:10
